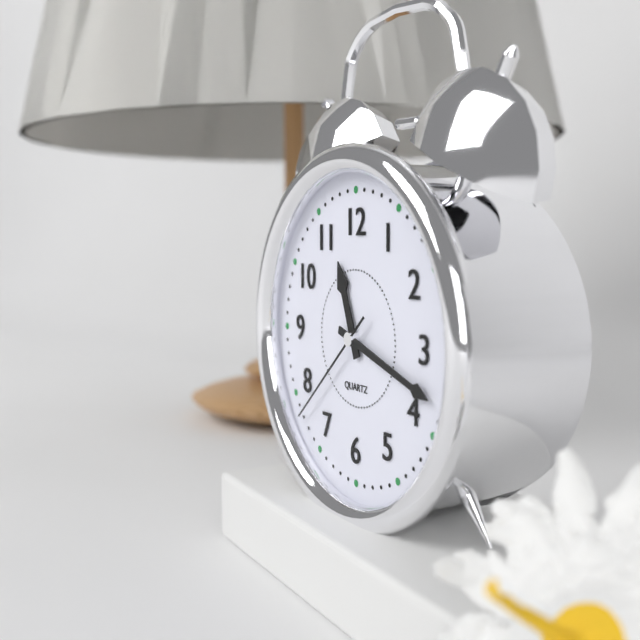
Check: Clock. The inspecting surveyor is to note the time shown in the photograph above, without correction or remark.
11:18:38
